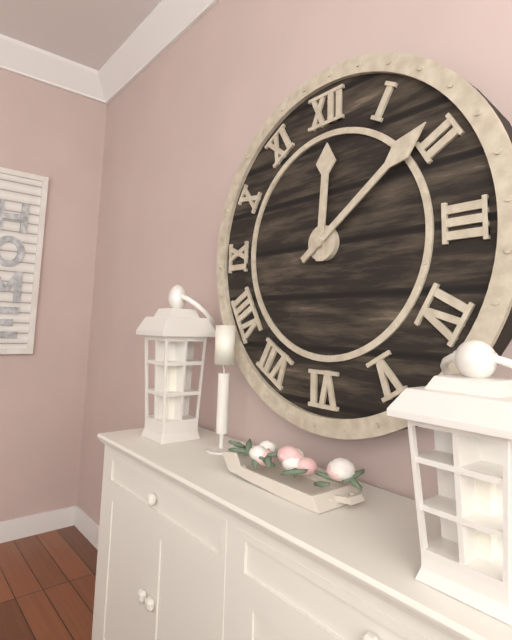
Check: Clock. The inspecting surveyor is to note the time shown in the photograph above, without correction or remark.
12:09
